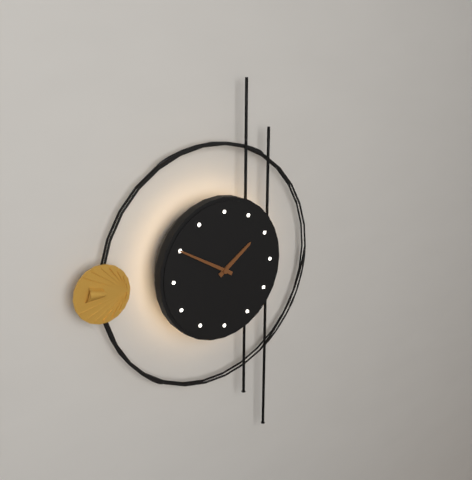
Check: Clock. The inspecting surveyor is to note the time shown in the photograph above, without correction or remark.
1:50
